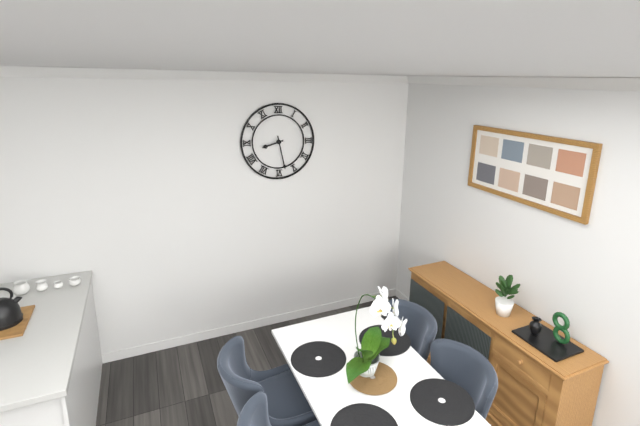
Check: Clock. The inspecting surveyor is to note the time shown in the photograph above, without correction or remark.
8:28
